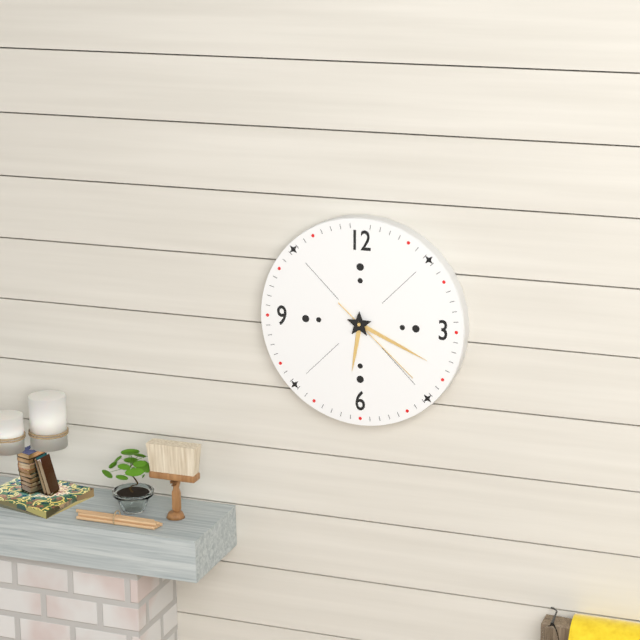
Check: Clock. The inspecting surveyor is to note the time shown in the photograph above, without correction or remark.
6:19:22
